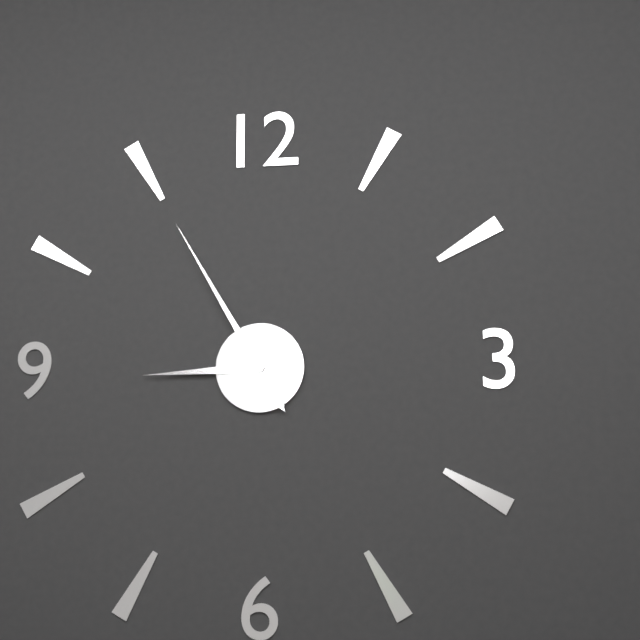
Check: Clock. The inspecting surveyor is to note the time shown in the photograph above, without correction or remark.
8:55
